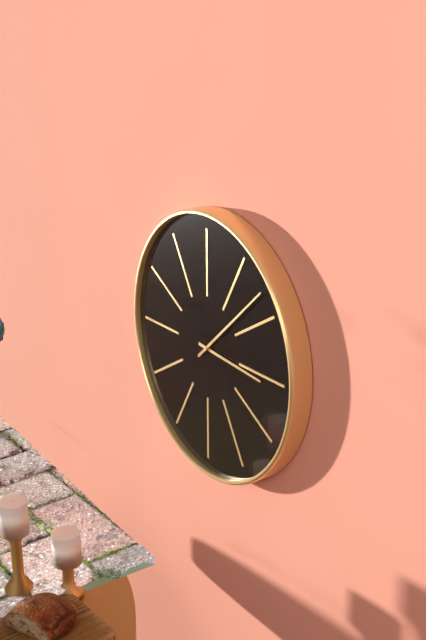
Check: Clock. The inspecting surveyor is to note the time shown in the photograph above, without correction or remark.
3:08
